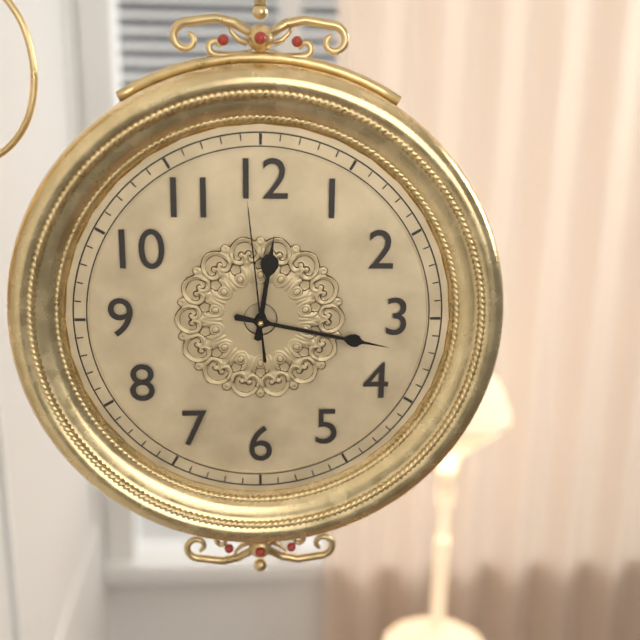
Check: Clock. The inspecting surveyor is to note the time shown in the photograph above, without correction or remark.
12:17:59
